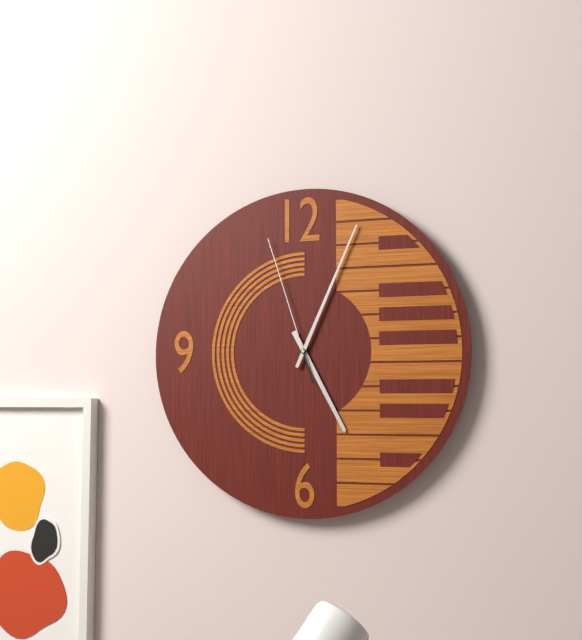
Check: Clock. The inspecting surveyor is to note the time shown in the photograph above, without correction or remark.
5:04:57
